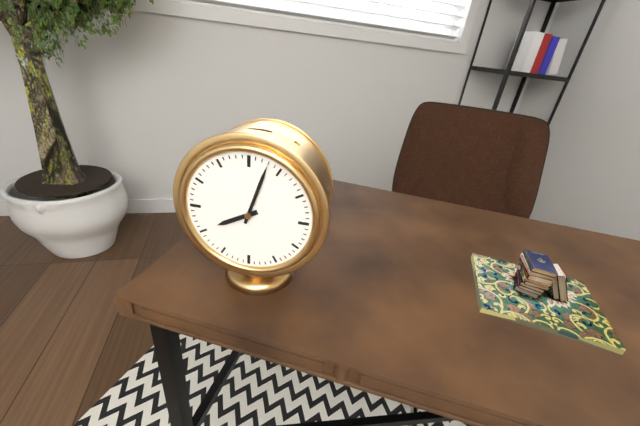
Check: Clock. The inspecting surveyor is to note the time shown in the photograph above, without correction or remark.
8:03
